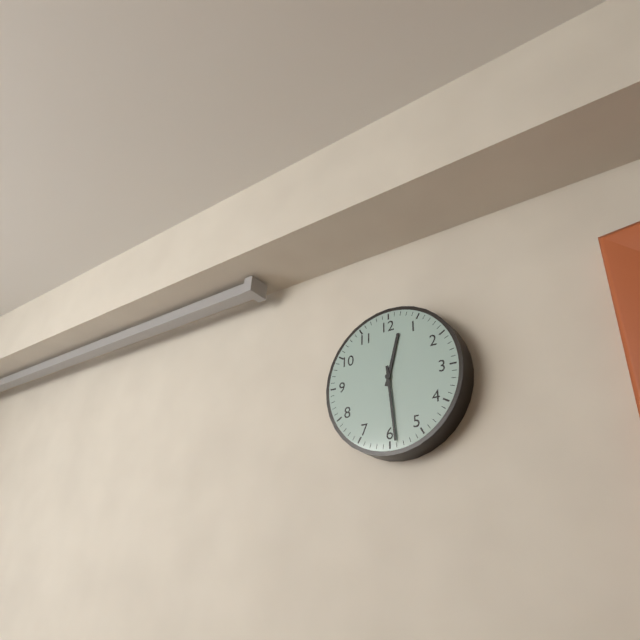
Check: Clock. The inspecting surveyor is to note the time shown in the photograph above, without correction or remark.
12:29
